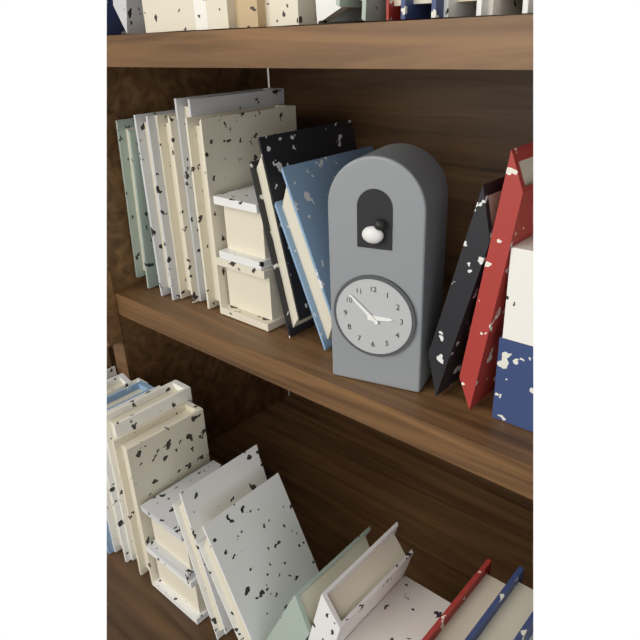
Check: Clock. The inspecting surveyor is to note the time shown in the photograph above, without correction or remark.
2:52
